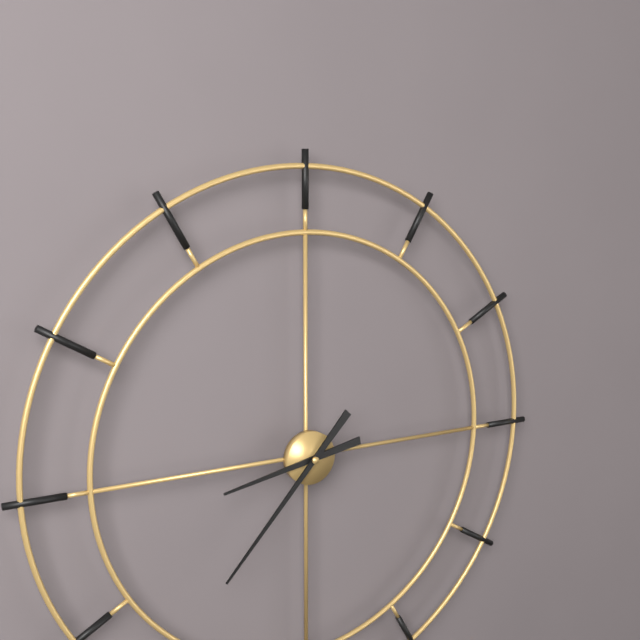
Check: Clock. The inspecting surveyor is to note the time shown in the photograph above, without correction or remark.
8:37
